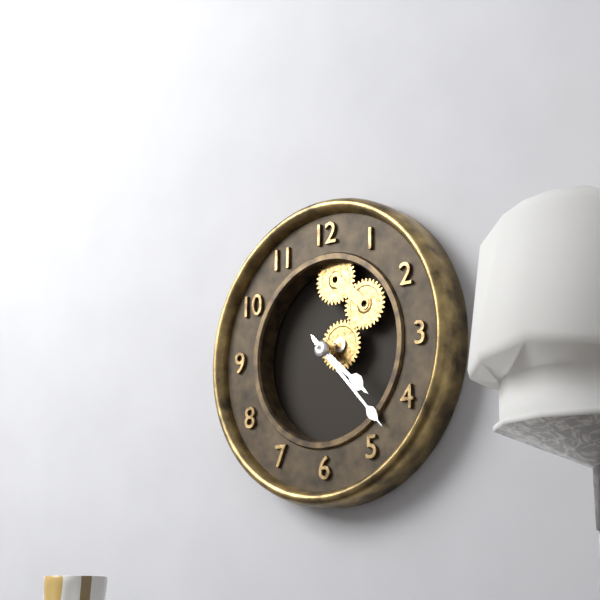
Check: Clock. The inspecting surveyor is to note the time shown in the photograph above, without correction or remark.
4:23
